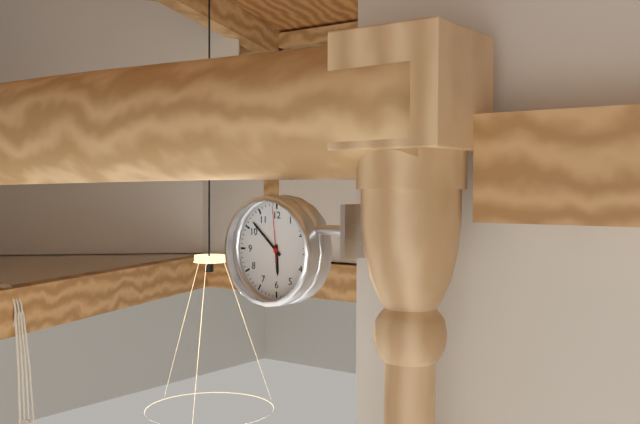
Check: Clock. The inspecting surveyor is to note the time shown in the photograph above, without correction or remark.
5:52:59
